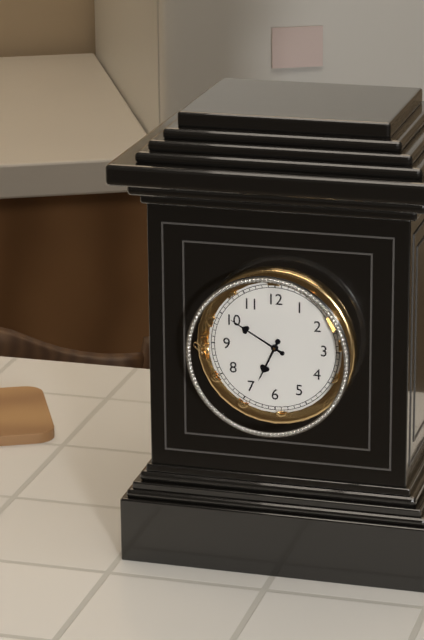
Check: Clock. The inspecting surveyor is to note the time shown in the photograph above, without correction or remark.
6:50
